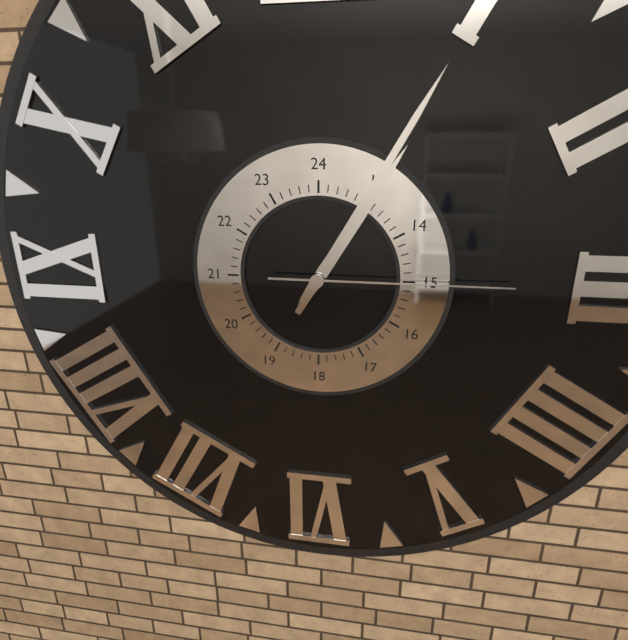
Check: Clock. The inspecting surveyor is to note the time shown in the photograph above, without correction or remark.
1:05:15
